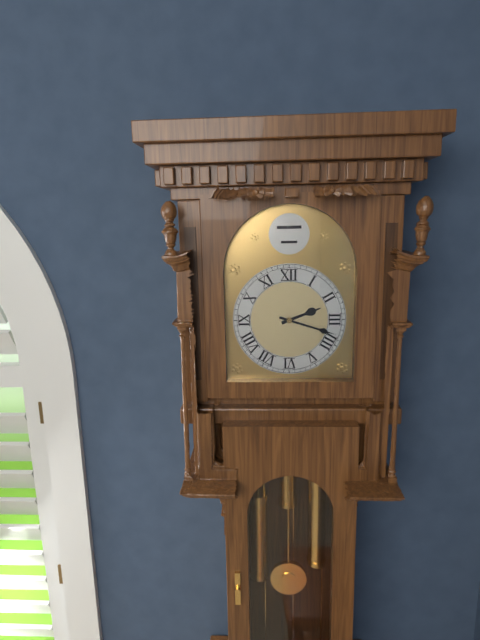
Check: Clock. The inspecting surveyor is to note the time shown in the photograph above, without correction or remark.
2:18
